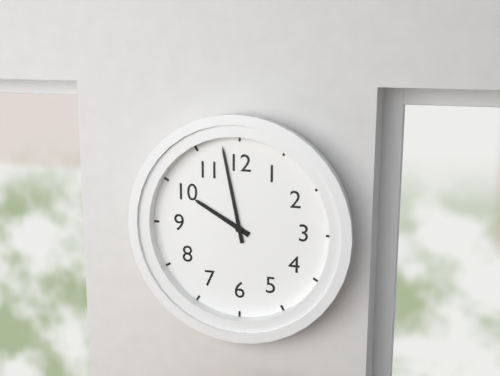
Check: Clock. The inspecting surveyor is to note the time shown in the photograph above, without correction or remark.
9:58
